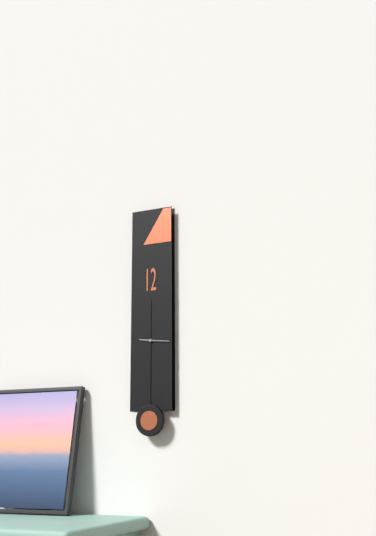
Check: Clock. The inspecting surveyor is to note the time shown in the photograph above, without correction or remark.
9:16
